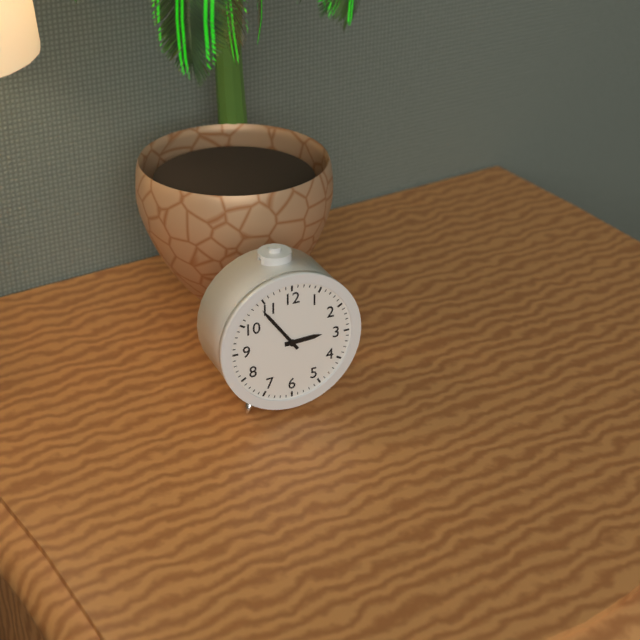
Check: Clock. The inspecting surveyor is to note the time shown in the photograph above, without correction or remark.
2:54
